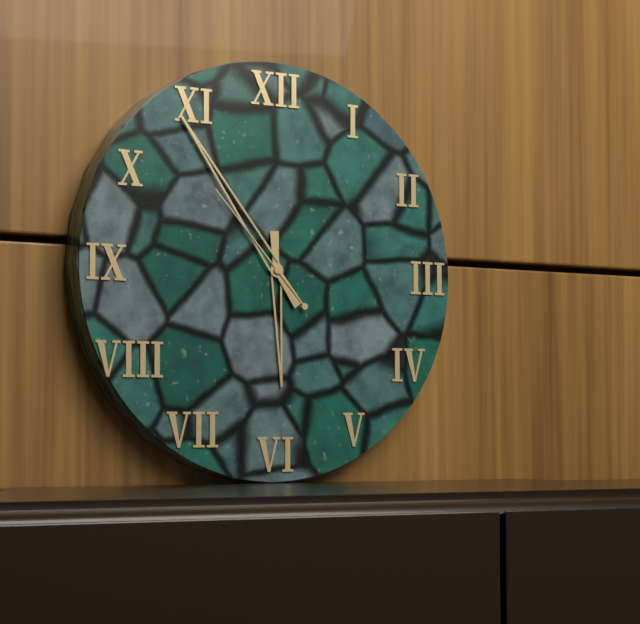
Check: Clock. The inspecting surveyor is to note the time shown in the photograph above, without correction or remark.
5:54:53
